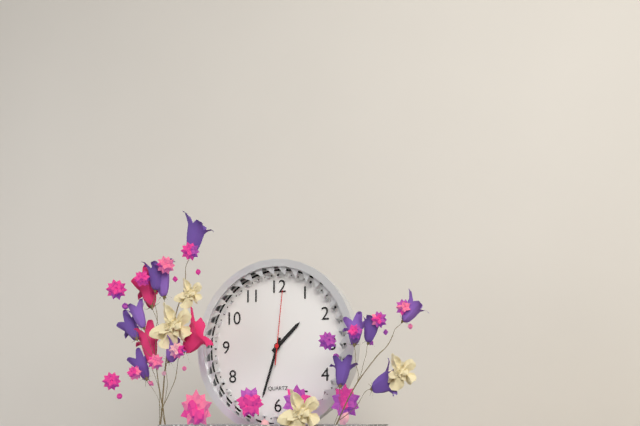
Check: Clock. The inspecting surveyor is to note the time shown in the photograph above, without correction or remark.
1:33:01
